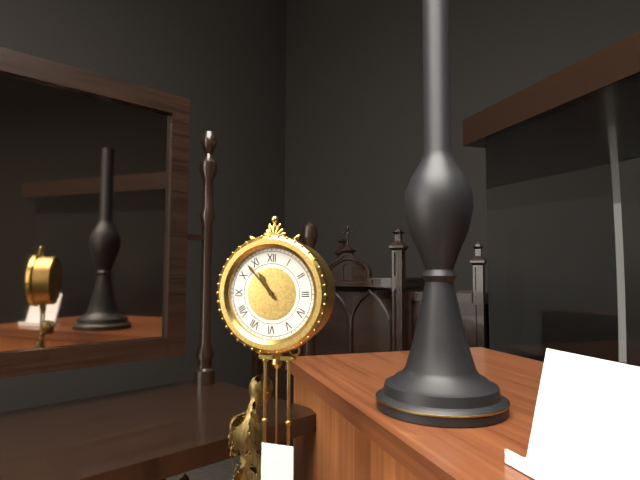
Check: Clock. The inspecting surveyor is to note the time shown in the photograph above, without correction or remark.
10:53
